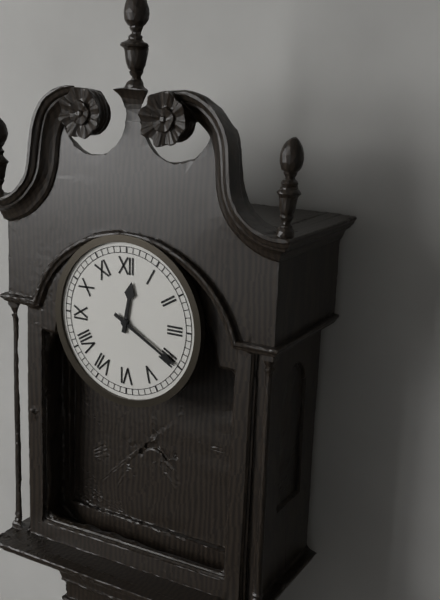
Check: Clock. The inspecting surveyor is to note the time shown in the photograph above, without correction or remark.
12:20
